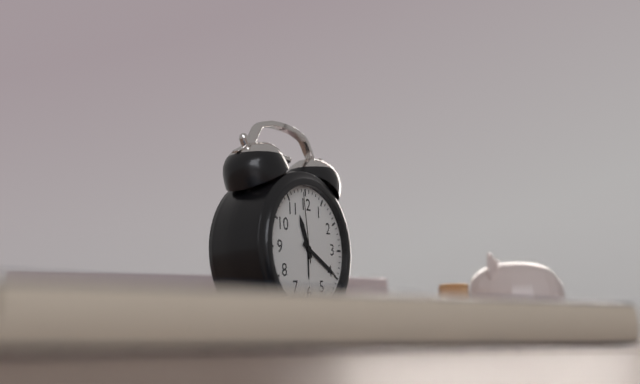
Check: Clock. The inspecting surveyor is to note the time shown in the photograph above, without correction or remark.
11:20:59
